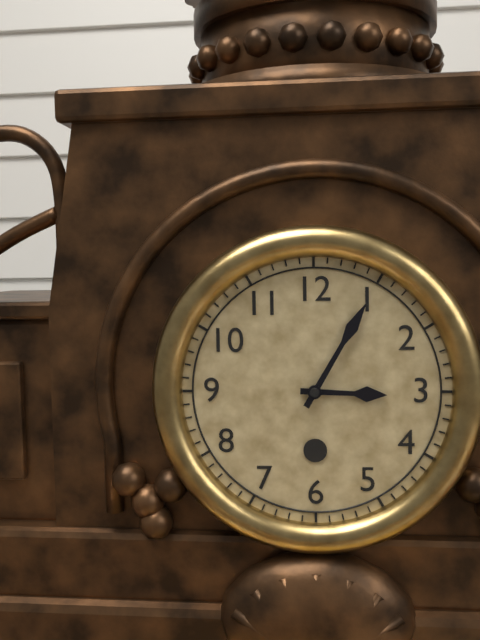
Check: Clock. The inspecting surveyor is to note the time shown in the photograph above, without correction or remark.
3:05
